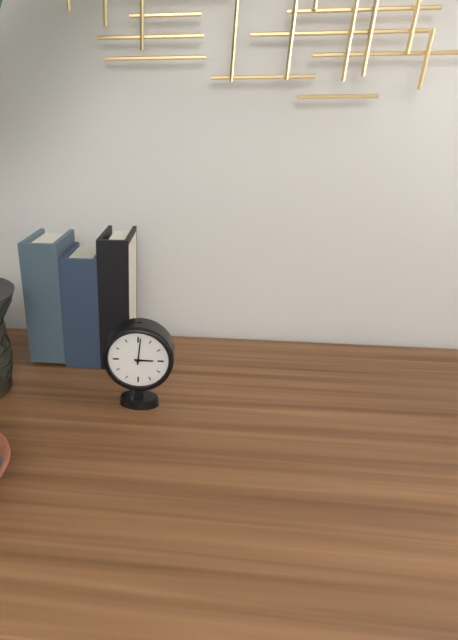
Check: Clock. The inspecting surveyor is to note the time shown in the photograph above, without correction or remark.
3:01
